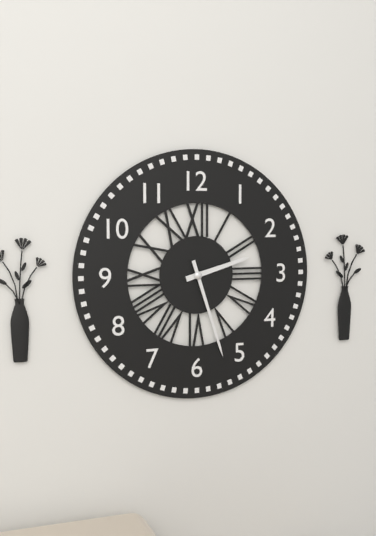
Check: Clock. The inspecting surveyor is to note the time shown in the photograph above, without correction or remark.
2:27
